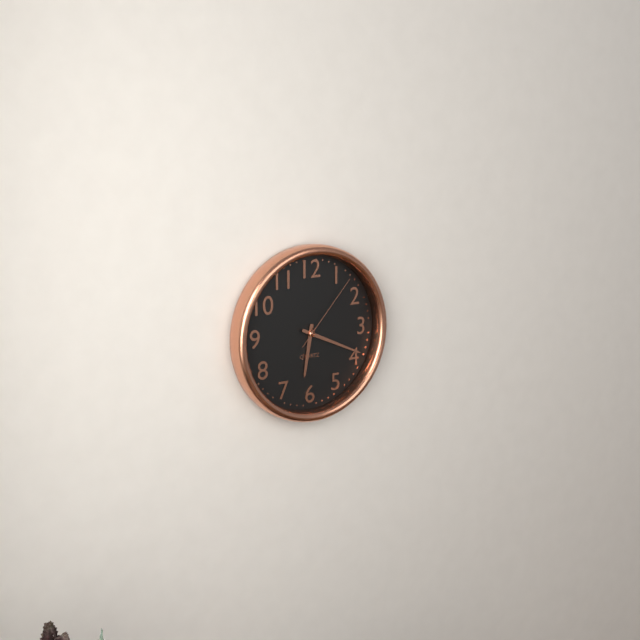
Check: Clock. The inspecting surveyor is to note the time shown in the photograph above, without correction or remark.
6:19:07
